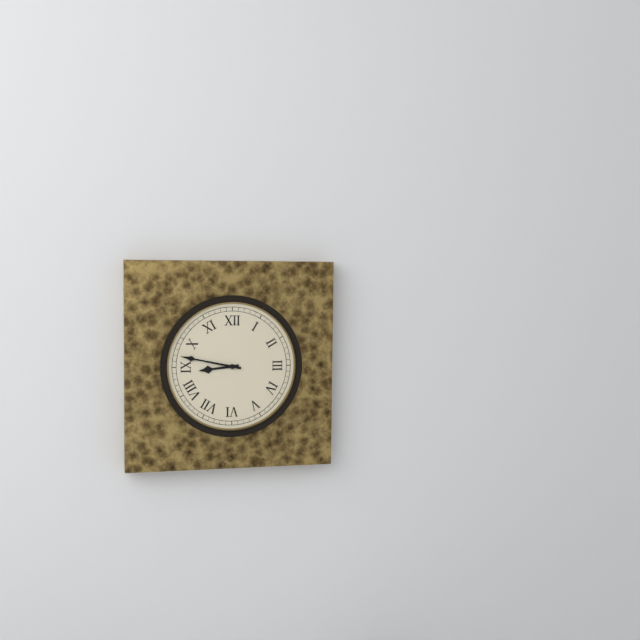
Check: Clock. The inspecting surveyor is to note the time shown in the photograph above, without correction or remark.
8:47
